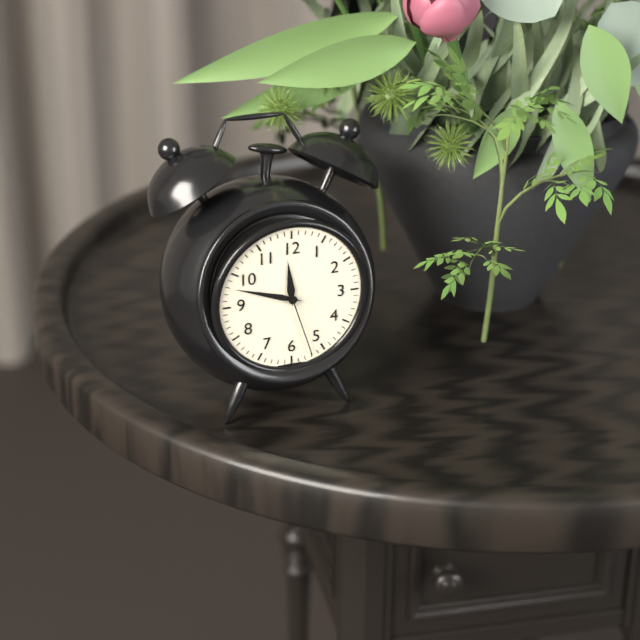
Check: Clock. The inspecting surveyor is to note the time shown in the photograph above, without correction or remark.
11:48:27
